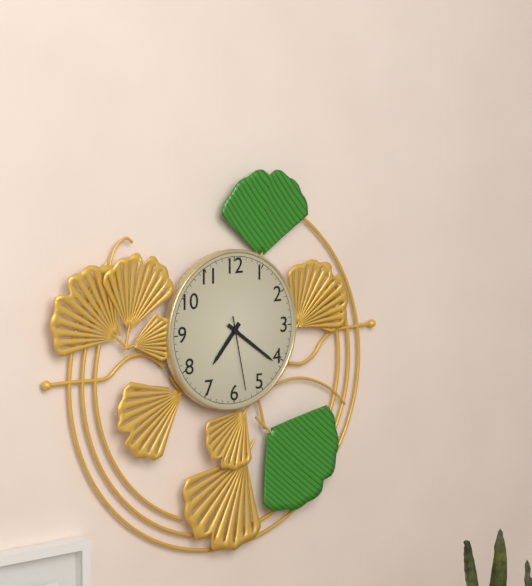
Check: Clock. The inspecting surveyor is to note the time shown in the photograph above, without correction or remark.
7:21:28
